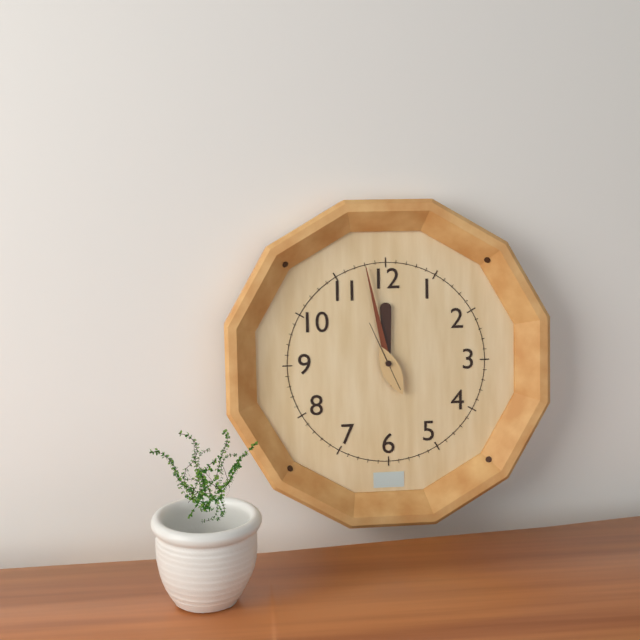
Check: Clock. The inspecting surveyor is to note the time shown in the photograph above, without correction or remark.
11:58:56
